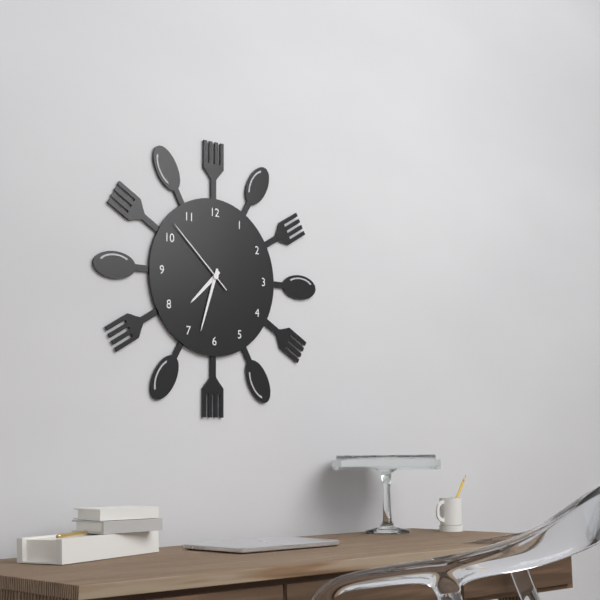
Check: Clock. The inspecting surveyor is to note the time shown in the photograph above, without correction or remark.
7:33:52
